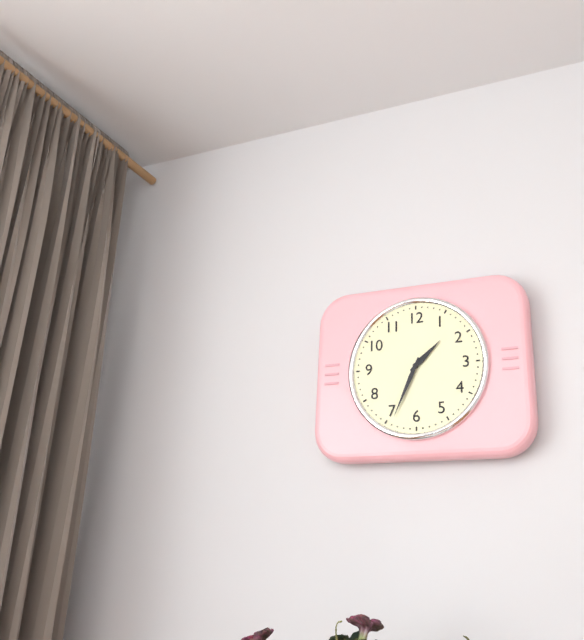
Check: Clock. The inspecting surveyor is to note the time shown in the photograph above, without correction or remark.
1:34
